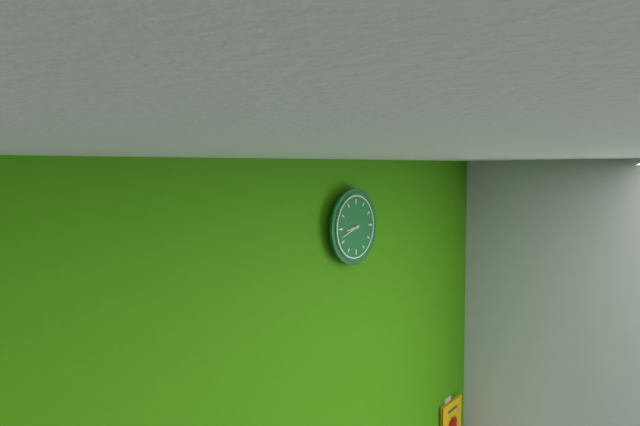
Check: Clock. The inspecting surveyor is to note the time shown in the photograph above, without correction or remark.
8:42
